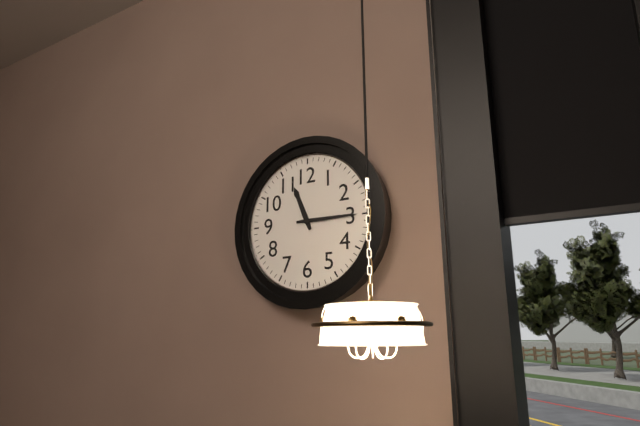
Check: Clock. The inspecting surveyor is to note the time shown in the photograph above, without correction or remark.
11:15
